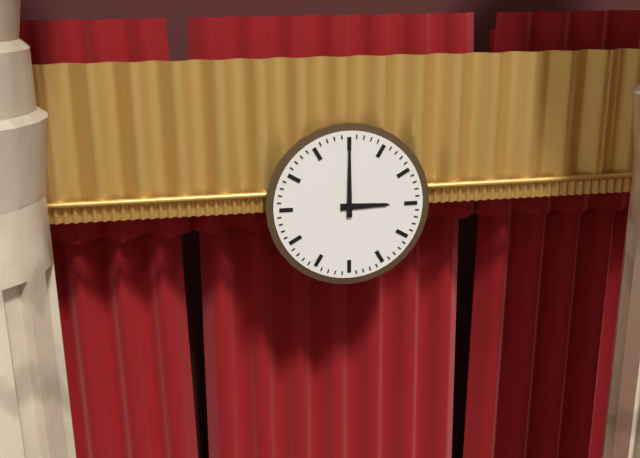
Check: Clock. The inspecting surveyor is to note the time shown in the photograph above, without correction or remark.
3:00
